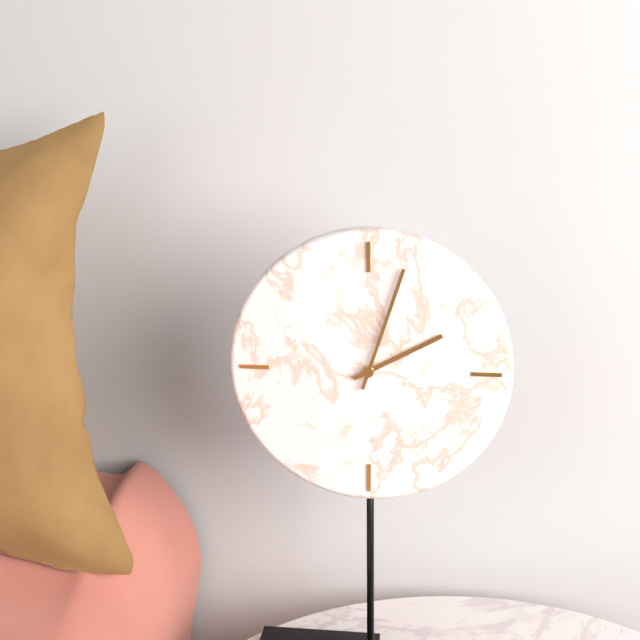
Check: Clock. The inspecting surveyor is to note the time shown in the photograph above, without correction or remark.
2:03
